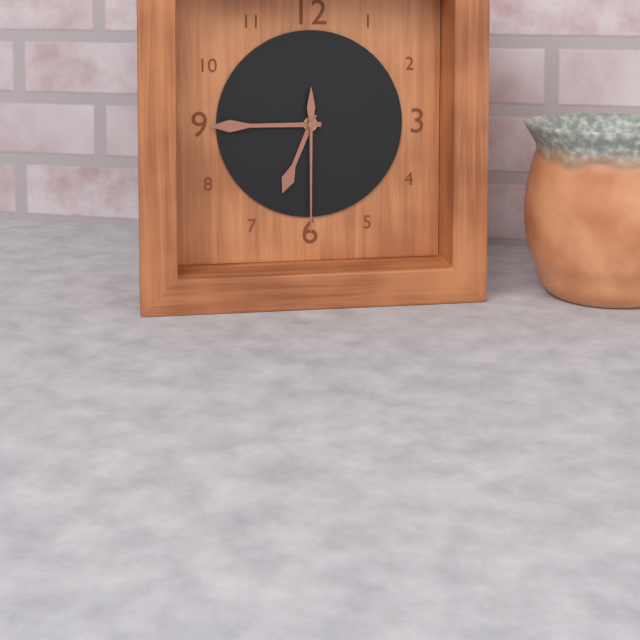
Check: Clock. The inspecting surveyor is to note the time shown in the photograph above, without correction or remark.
6:45:30
